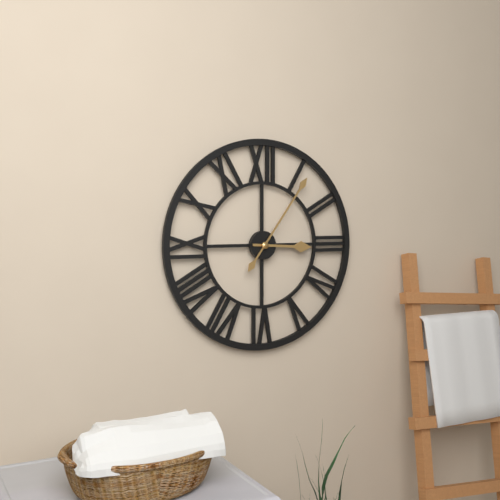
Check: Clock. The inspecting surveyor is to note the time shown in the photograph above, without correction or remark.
3:06
